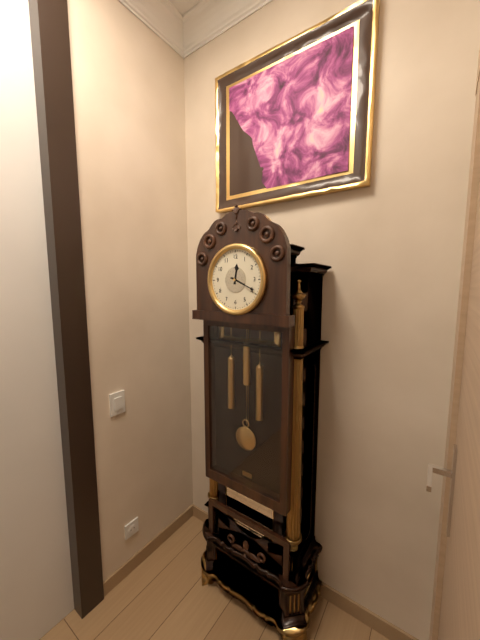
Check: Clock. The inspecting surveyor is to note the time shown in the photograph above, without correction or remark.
12:19
